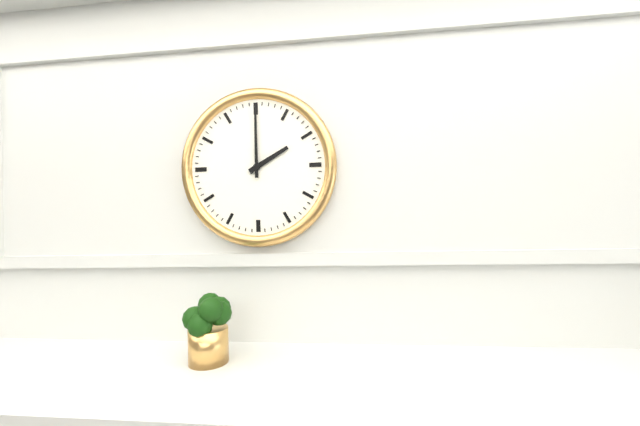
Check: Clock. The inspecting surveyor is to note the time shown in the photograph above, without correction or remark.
2:00
